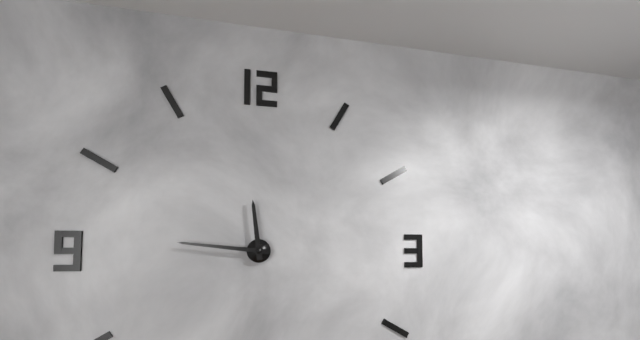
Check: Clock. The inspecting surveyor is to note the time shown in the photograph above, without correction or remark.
11:46
